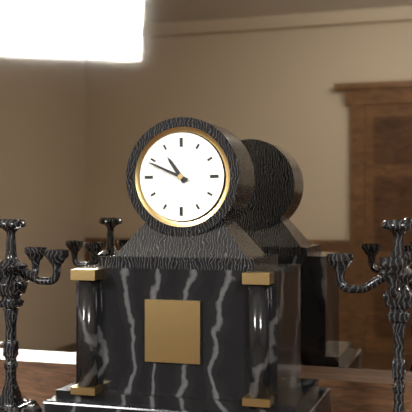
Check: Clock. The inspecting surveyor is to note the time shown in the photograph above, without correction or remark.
10:49
